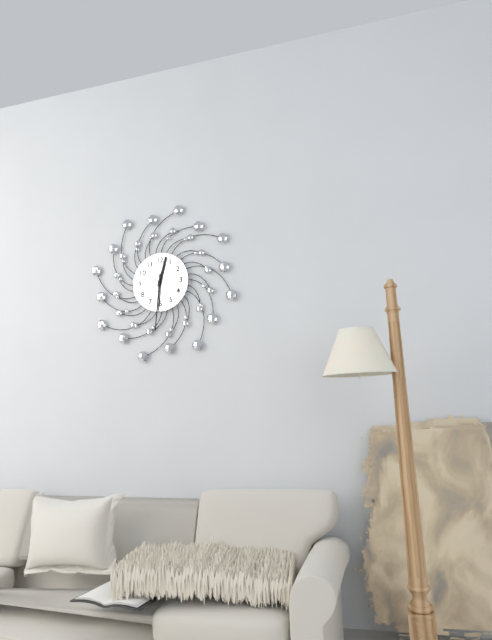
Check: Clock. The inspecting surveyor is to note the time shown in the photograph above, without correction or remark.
12:31
